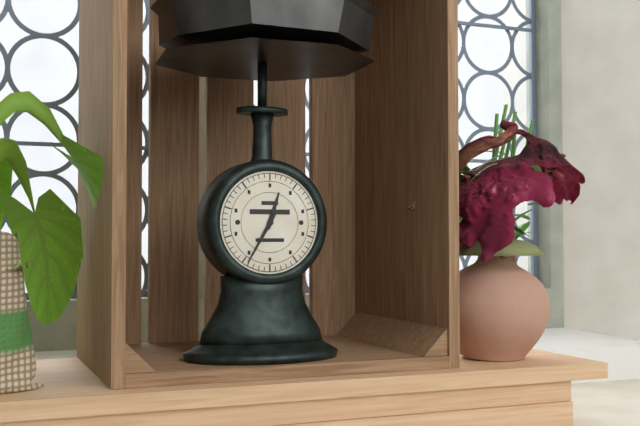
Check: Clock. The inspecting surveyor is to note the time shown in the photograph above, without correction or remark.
12:35
